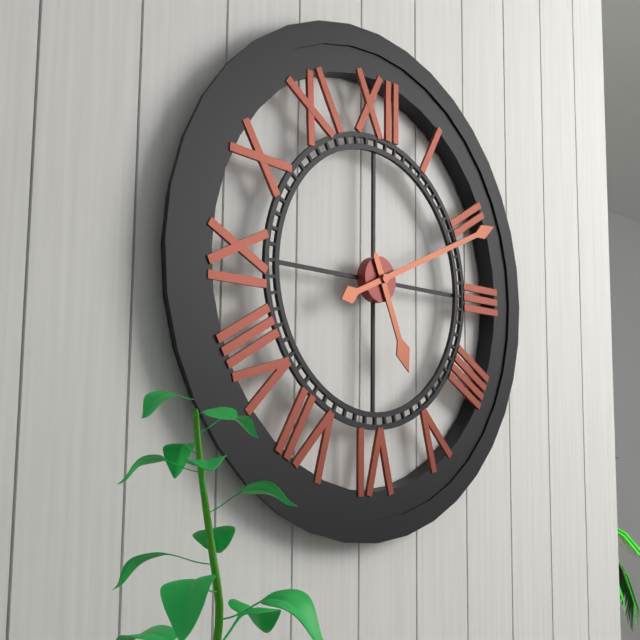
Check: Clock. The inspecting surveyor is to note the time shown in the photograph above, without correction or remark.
5:11
